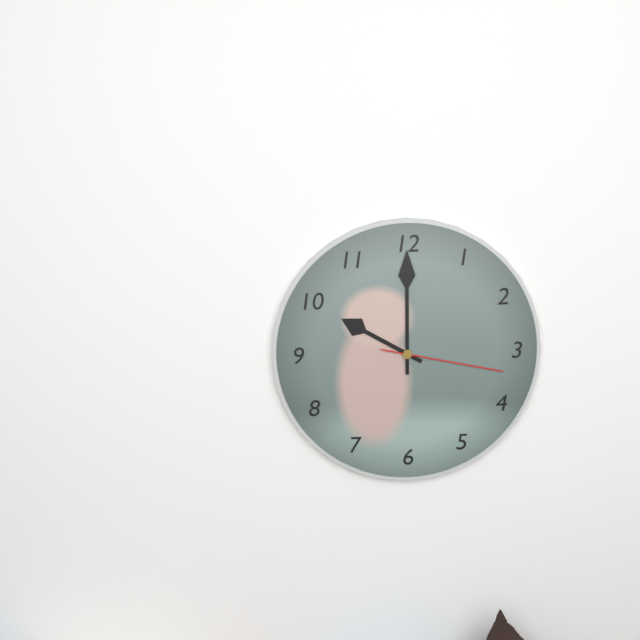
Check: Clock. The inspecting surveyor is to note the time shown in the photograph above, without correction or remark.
10:00:17
